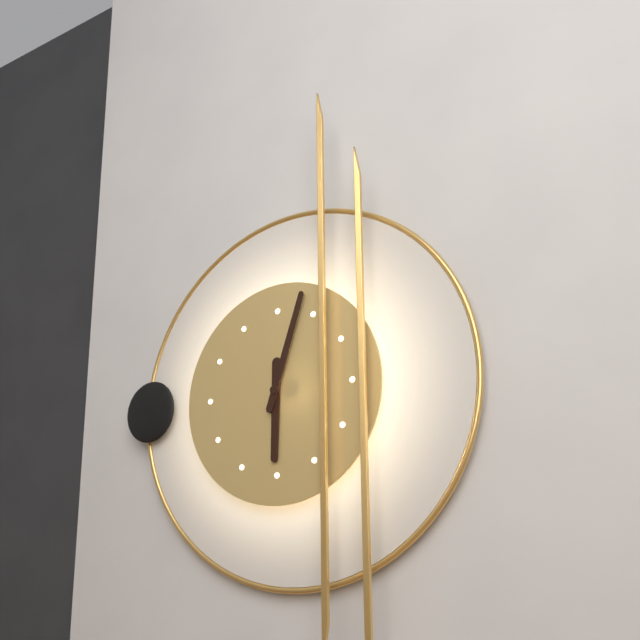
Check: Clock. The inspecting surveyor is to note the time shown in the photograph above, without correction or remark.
6:03
